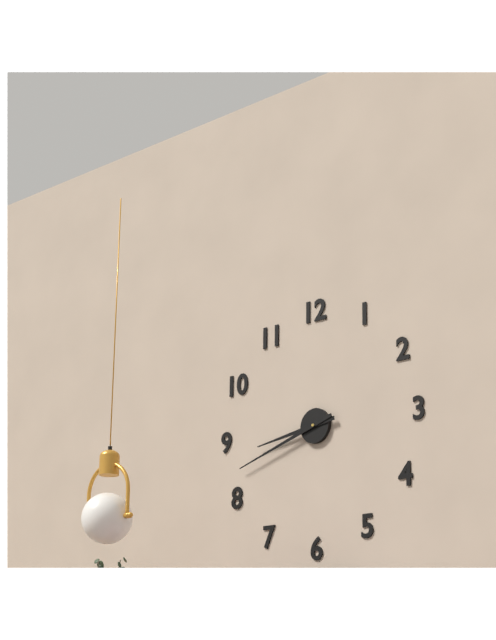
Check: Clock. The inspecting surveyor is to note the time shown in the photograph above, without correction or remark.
8:42
